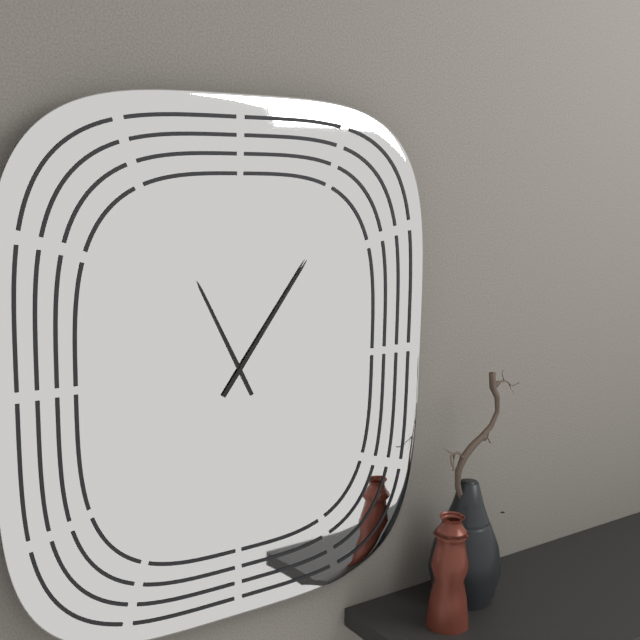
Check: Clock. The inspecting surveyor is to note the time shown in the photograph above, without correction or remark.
11:06
